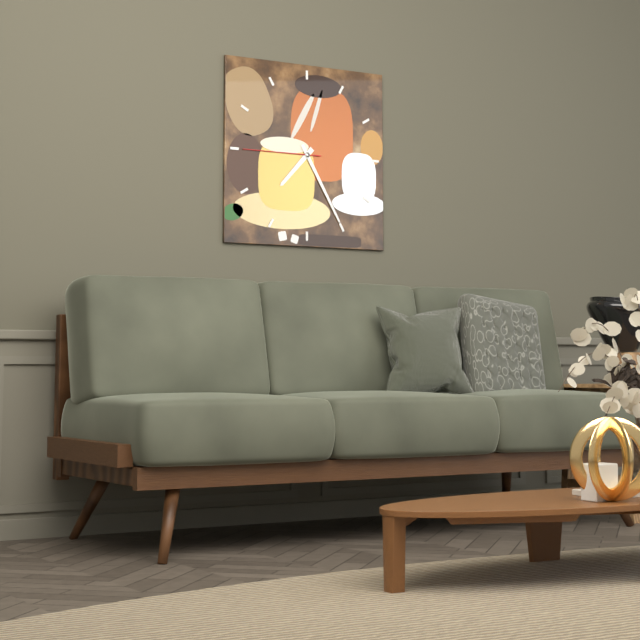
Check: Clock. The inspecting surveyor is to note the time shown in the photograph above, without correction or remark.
7:25:45
